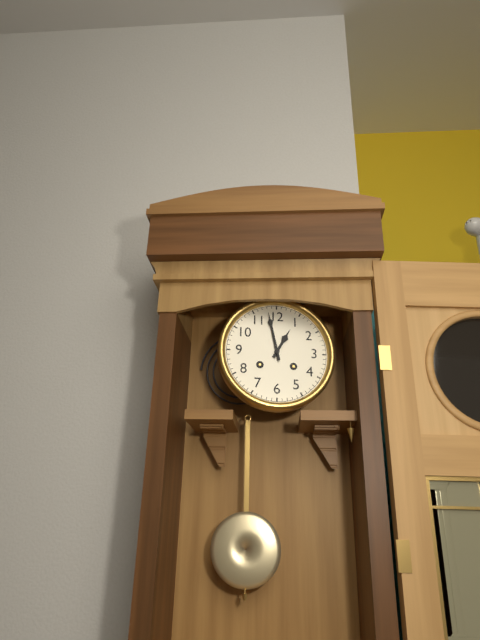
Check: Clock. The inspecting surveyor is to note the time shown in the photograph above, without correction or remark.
12:58
